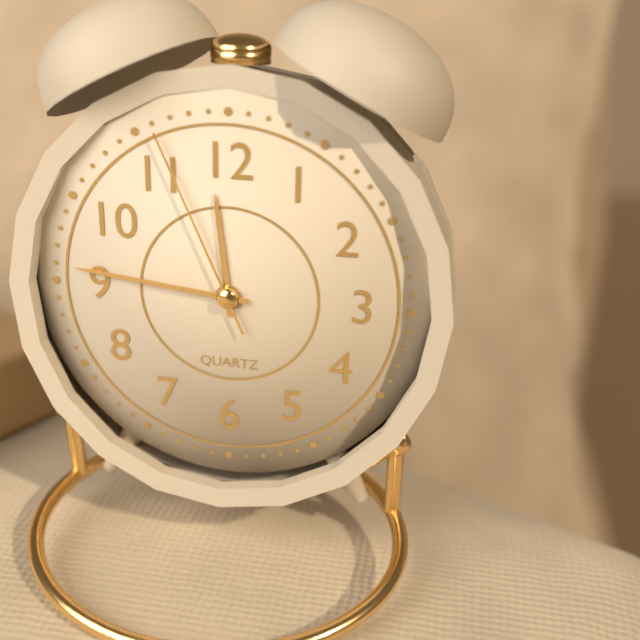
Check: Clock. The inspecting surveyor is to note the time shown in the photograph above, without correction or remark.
11:46:56
